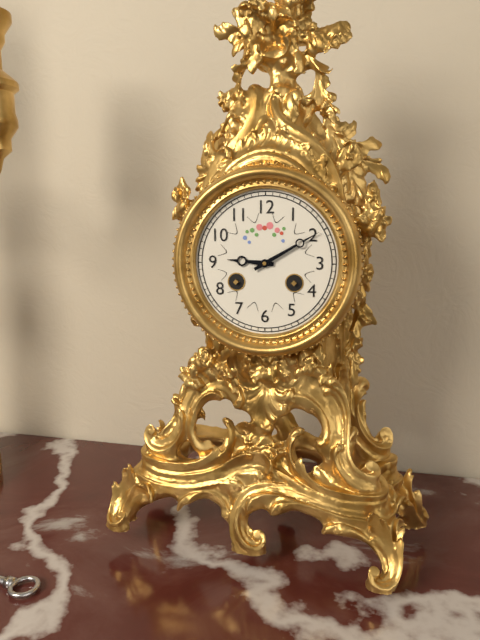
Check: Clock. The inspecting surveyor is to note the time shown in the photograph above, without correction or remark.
9:10
